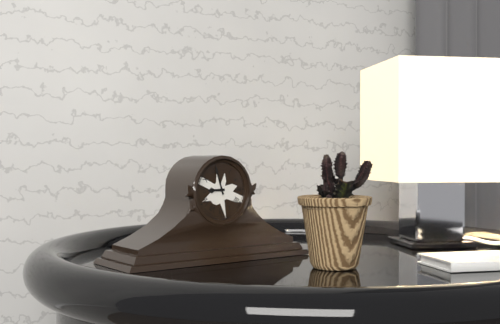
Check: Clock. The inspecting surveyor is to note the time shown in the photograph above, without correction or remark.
8:57
